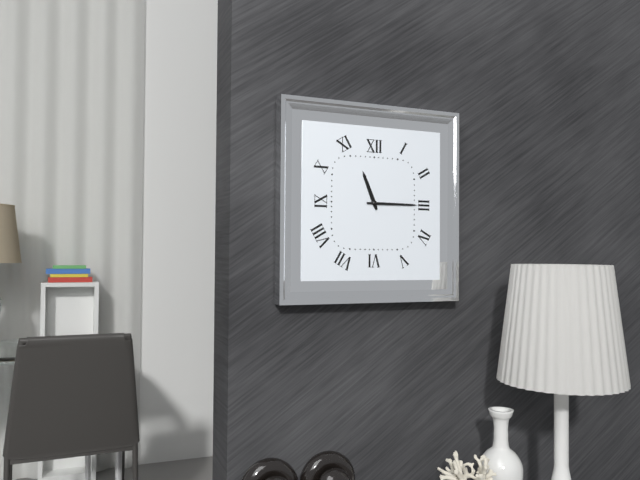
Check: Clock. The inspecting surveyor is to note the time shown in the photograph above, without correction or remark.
11:15
